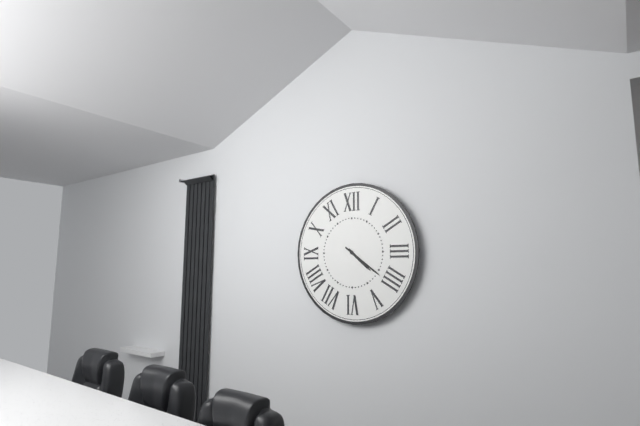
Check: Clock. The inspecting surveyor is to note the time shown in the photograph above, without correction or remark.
4:21
